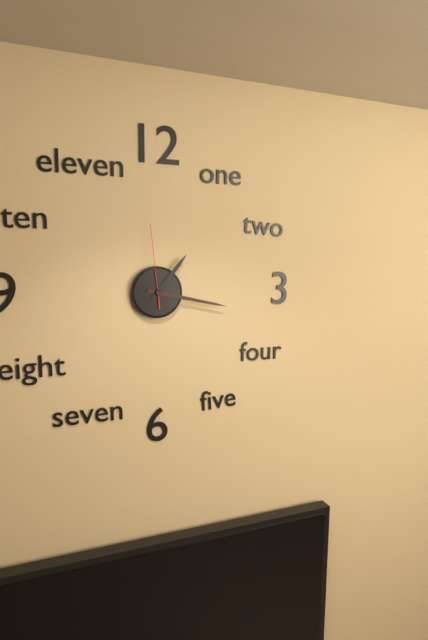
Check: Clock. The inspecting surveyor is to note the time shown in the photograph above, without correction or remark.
1:17:59
